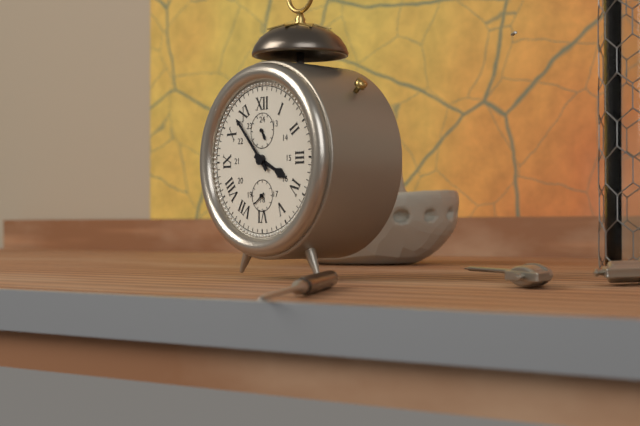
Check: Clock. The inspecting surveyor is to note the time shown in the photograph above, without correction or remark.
3:53:39
